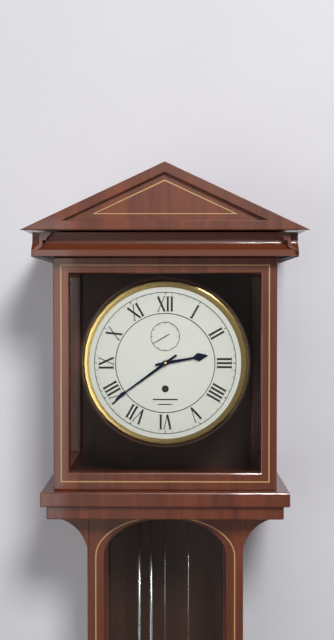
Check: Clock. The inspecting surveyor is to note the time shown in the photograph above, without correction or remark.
2:39
